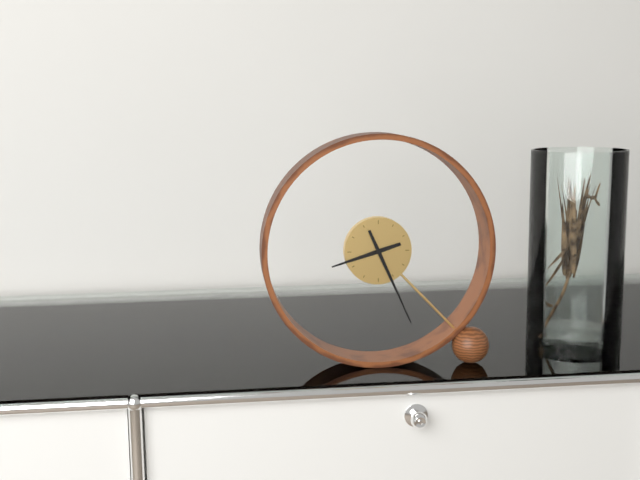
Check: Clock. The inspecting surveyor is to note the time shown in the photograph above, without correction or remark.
8:26
